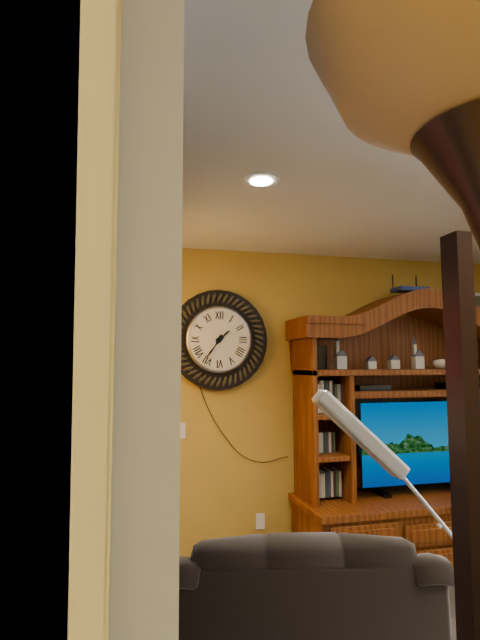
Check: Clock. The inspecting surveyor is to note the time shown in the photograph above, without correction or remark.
1:36
